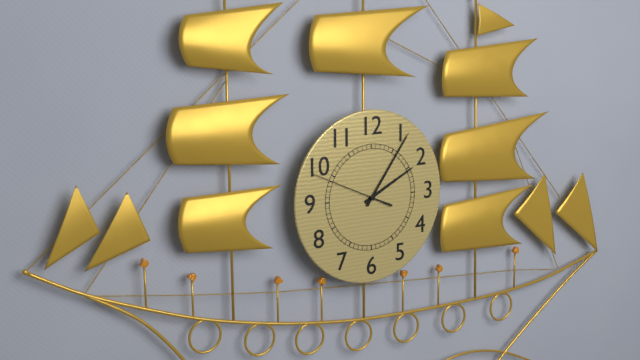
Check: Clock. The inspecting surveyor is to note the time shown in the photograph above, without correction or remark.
2:06:49
